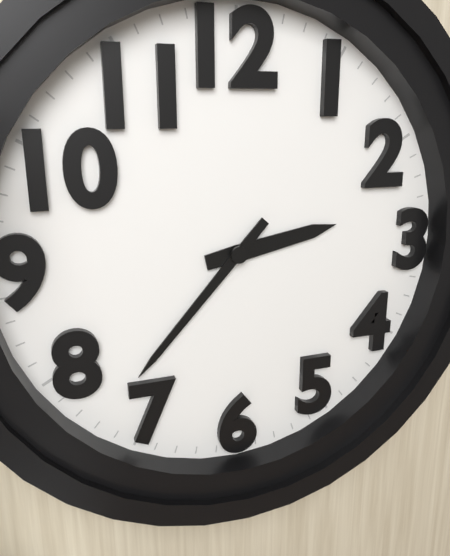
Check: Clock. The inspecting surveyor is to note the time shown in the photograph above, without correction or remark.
2:37
